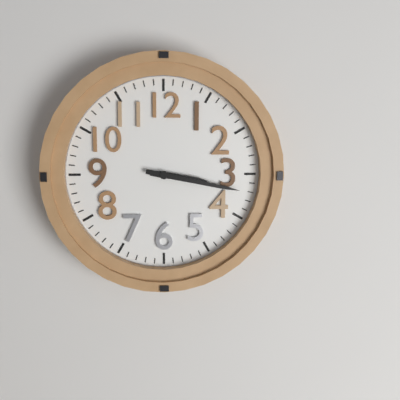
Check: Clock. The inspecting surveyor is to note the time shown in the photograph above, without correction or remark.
3:17
